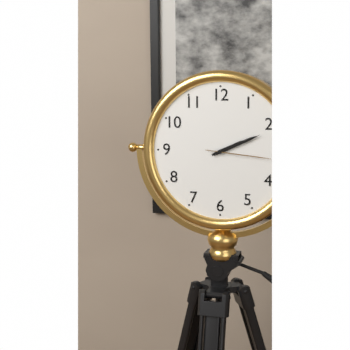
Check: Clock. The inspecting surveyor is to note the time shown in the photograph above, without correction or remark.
2:11:16
